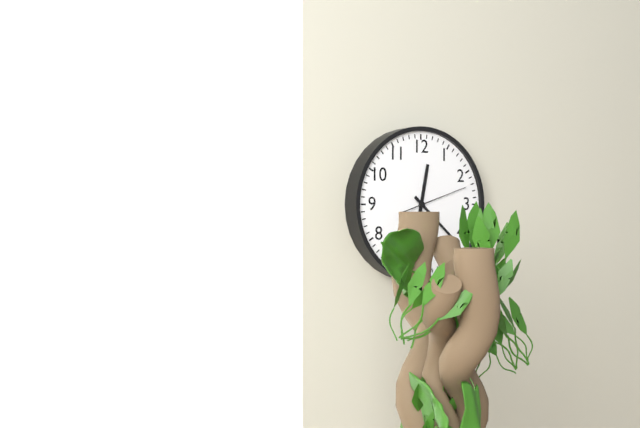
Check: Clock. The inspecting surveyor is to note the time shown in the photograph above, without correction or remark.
12:22:12
